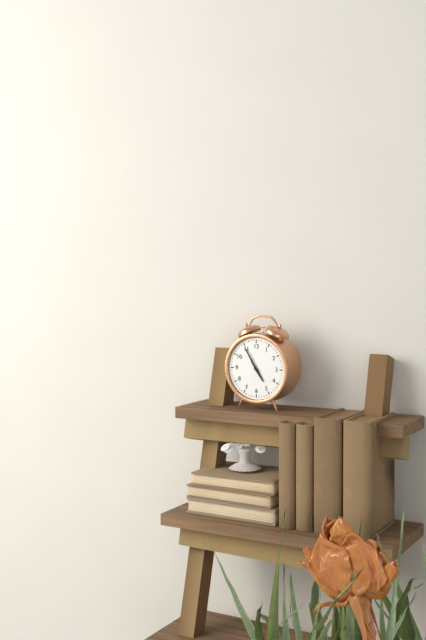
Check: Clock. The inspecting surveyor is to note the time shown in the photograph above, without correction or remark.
4:55
